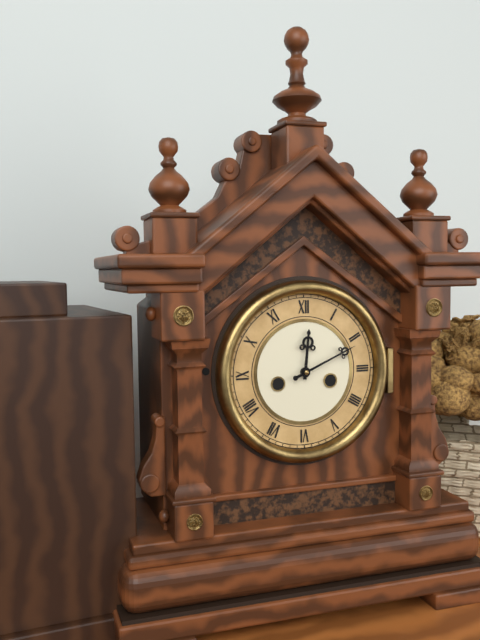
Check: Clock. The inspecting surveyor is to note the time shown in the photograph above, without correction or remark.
12:11
